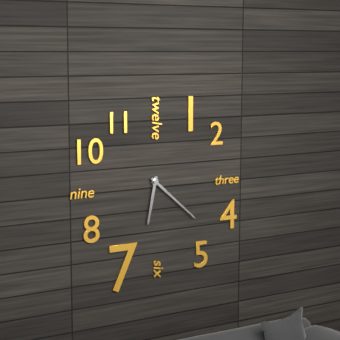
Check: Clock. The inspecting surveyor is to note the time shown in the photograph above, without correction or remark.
6:22
